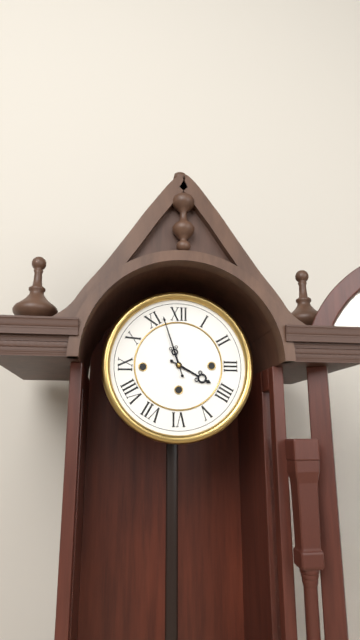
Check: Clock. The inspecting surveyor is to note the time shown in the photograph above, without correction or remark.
3:57
